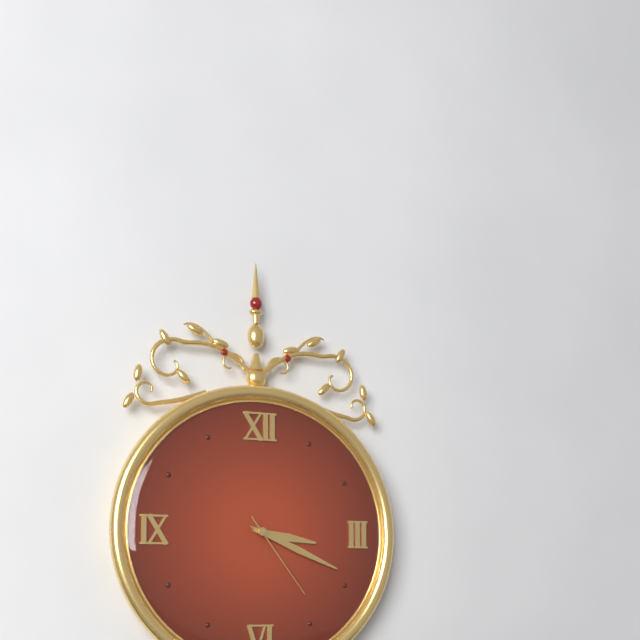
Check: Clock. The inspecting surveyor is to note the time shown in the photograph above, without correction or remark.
3:19:24
